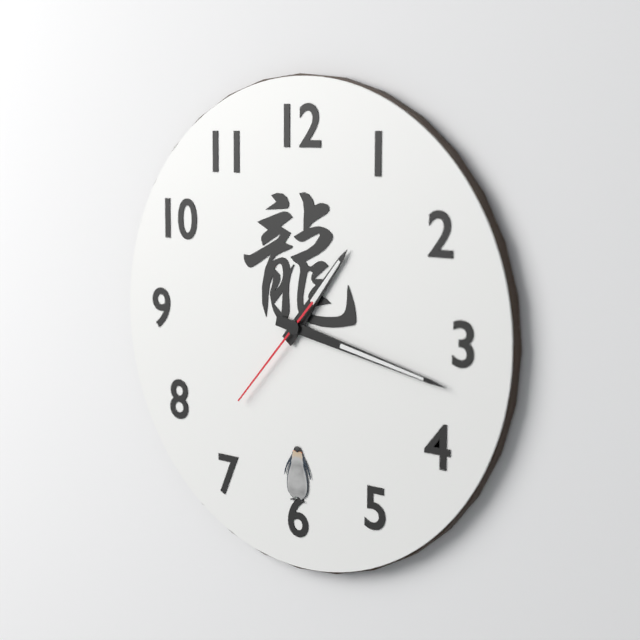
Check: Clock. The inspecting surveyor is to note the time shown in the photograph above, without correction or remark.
1:17:37
